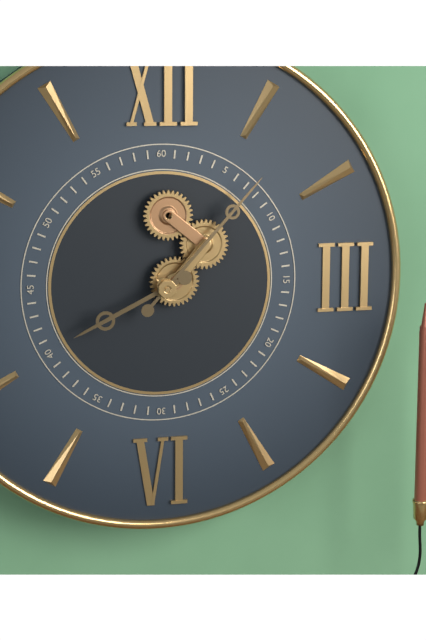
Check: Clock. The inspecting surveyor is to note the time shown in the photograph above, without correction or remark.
8:07
